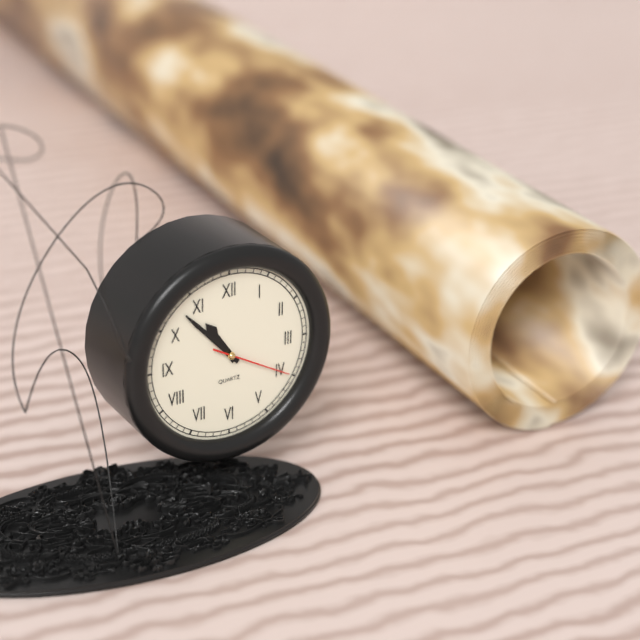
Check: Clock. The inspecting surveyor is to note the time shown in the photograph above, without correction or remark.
10:53:20
